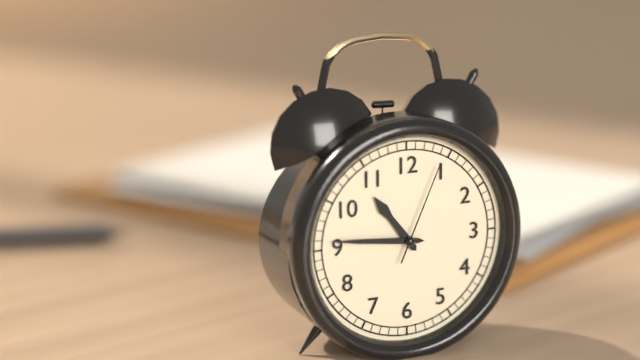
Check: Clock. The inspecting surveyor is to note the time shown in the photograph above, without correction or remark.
10:46:04
